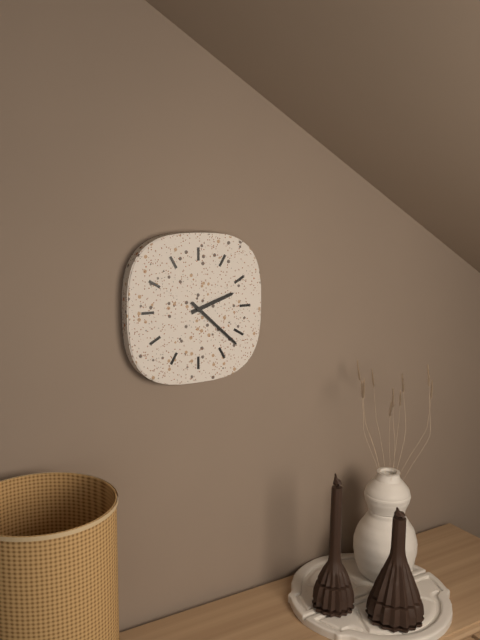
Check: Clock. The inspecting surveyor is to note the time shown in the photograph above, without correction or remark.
2:22
